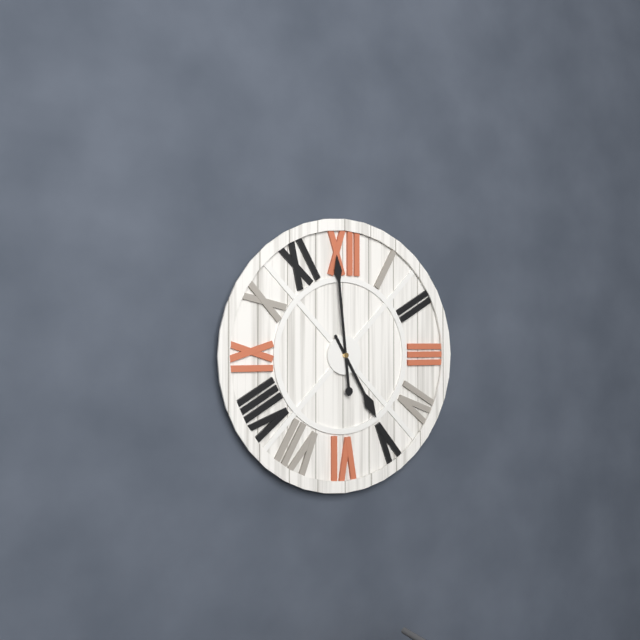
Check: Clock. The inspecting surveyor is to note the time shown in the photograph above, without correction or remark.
4:59
